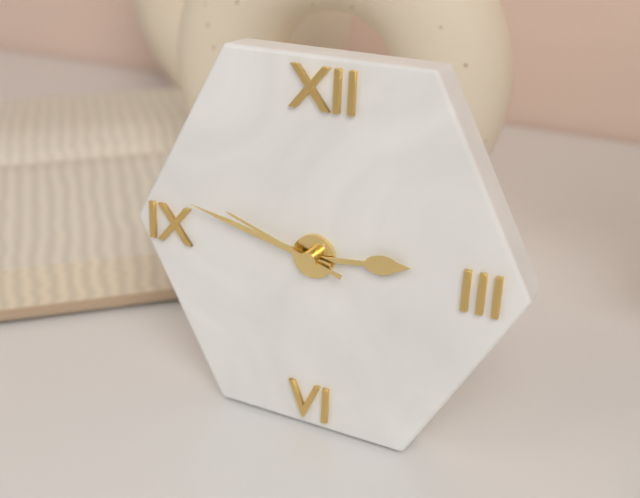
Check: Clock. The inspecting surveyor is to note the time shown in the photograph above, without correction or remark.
2:47:48
